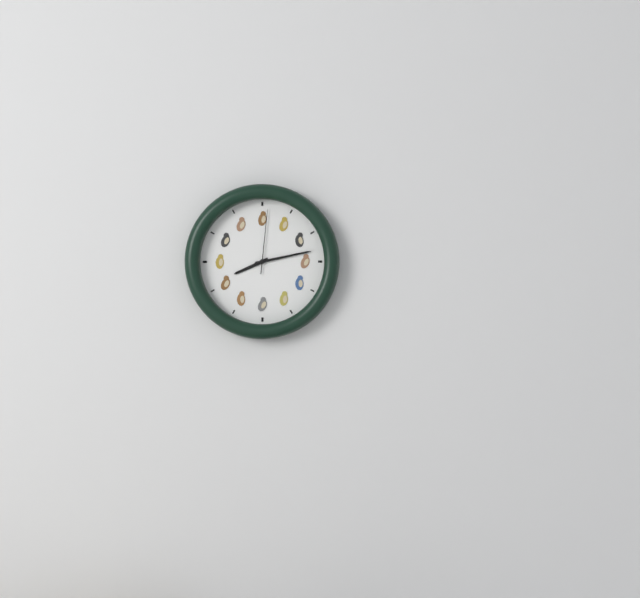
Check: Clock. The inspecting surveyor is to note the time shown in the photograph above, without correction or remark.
8:13:01
